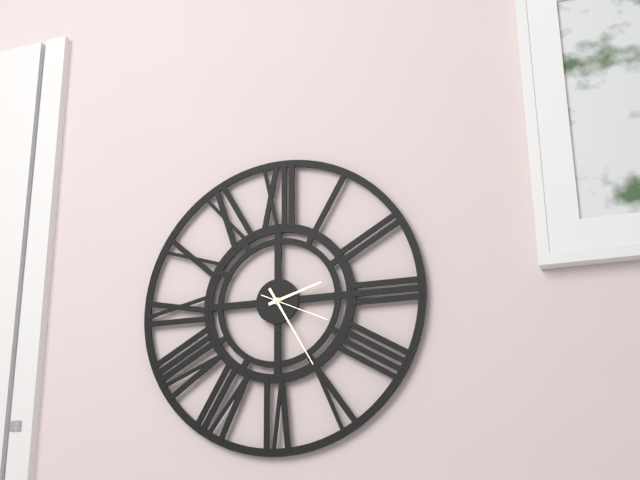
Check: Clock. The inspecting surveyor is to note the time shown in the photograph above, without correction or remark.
2:25:19
